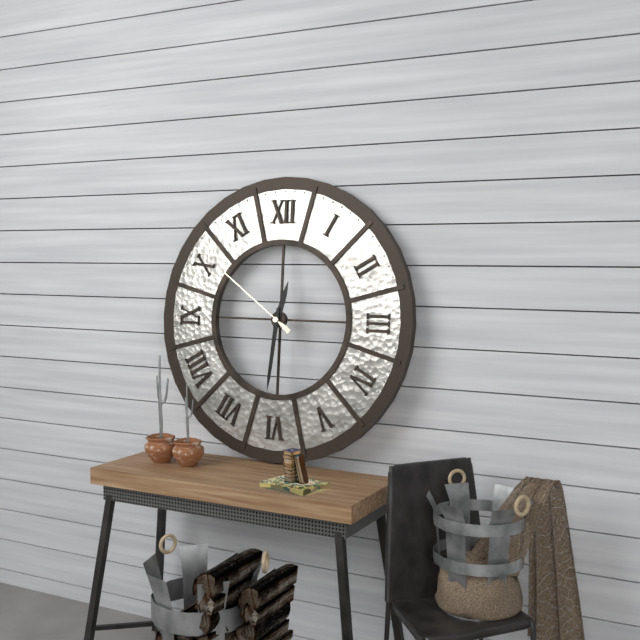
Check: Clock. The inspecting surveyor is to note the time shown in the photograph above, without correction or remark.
12:31:51
